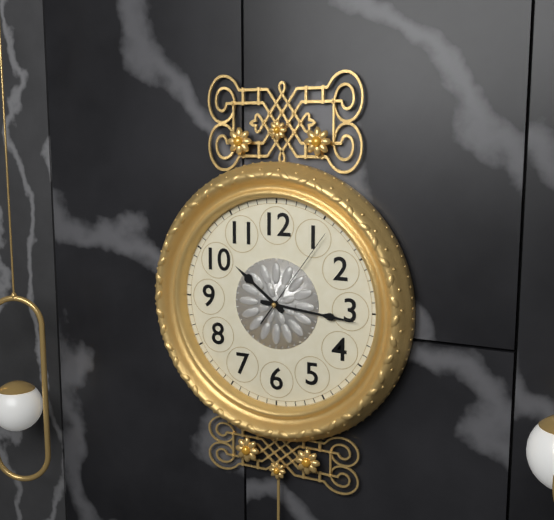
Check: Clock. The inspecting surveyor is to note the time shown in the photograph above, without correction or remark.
10:16:06
